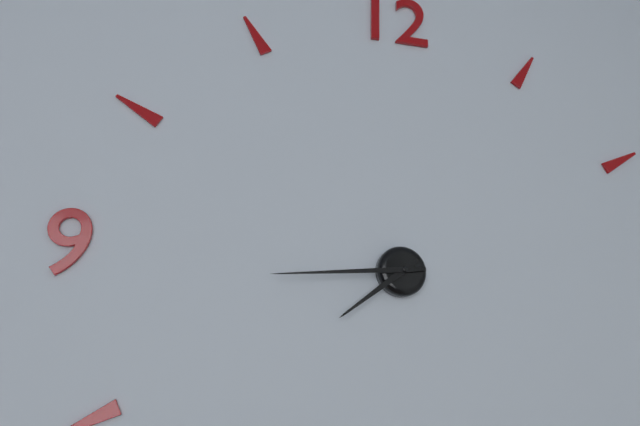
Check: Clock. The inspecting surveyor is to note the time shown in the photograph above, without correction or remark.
7:44
